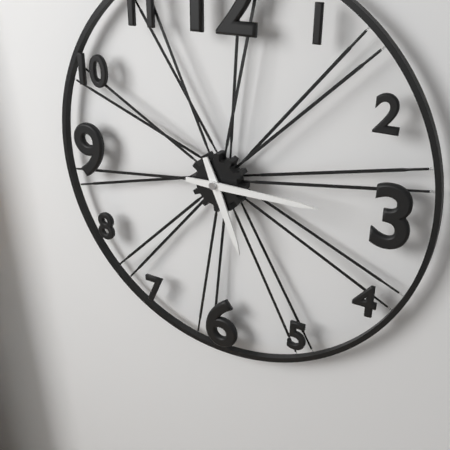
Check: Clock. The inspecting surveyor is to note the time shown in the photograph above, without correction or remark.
5:15
